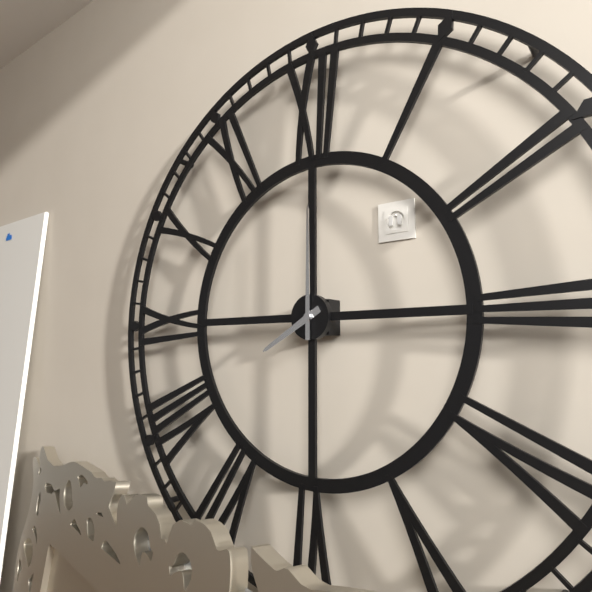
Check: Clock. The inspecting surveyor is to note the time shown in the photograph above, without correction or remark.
8:00
